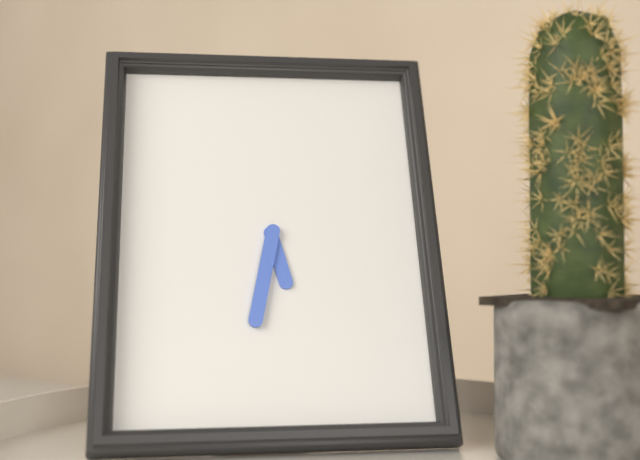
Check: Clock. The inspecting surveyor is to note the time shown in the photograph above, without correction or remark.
5:32
